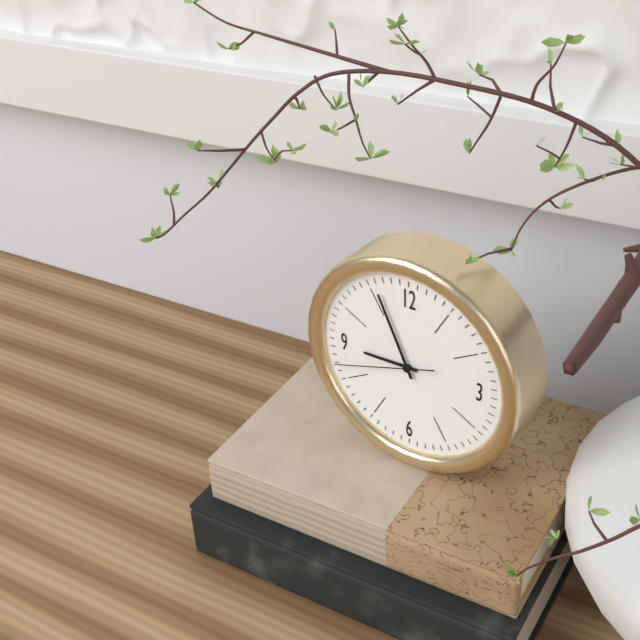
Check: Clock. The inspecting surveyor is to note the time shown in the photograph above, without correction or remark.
8:56:42
